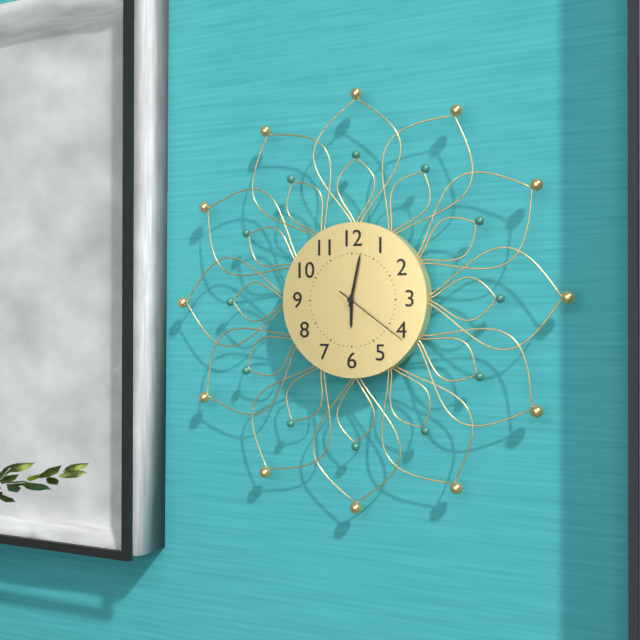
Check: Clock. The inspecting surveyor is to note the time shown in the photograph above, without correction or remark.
6:02:21
